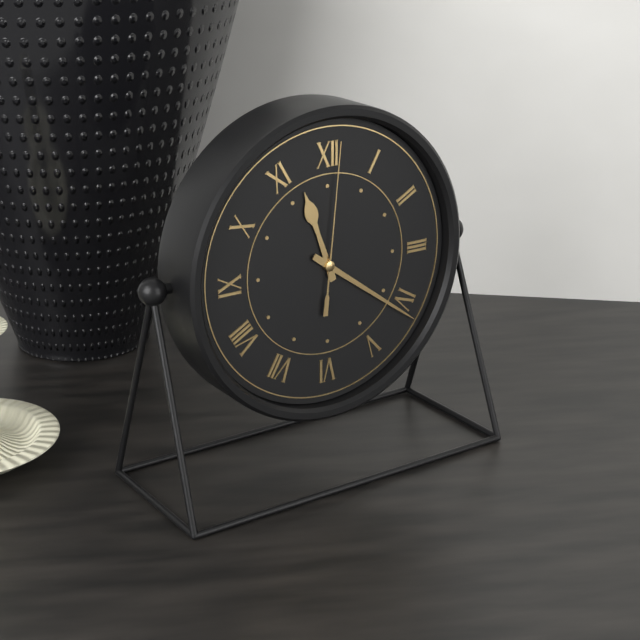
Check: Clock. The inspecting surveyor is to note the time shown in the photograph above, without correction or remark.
11:21:01
